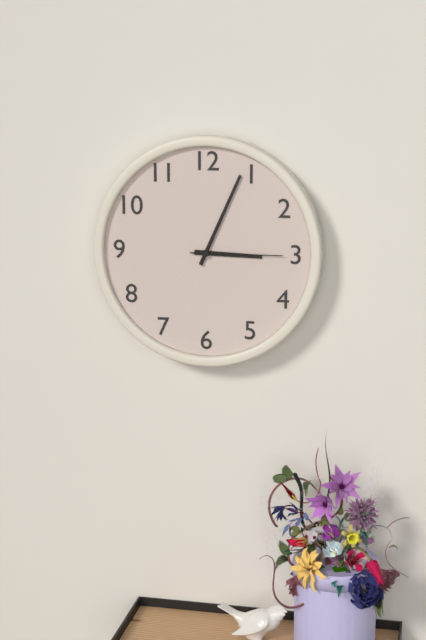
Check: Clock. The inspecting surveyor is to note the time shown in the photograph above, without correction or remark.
3:04:15
